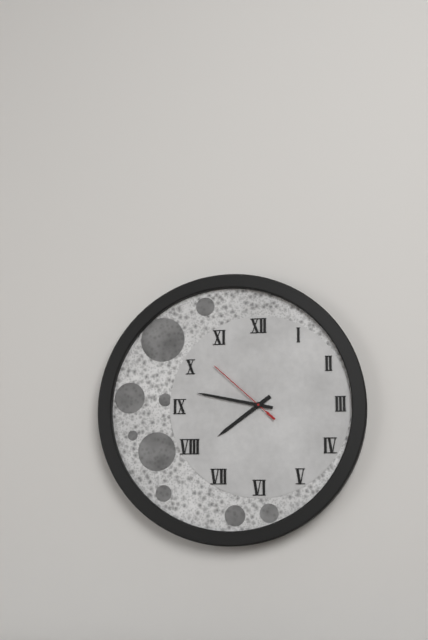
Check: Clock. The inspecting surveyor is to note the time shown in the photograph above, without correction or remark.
7:47:52
